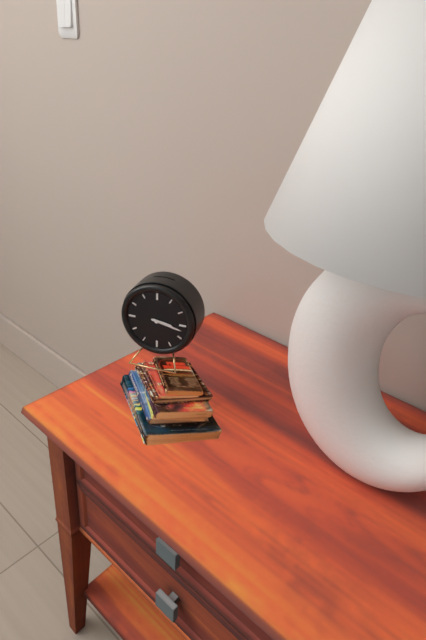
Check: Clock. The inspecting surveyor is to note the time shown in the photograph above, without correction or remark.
3:17
